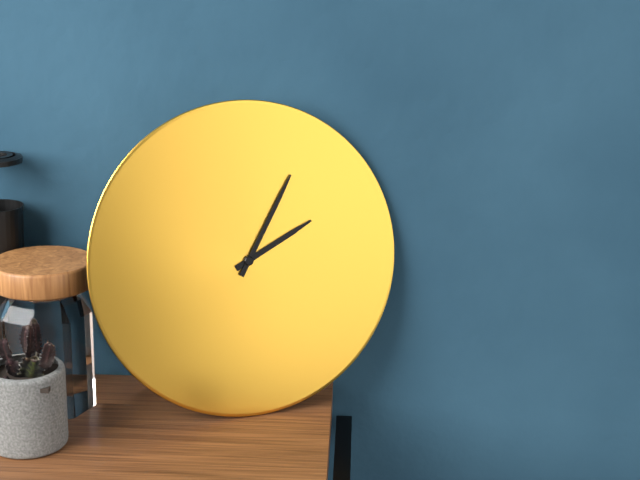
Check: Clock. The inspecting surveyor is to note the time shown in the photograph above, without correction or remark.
2:05
